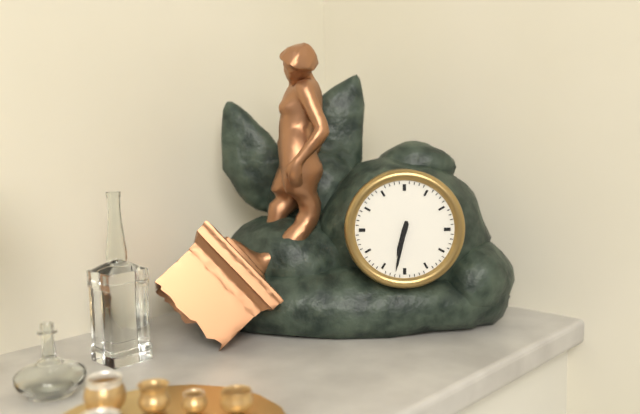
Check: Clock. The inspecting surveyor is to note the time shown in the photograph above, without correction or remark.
6:32
